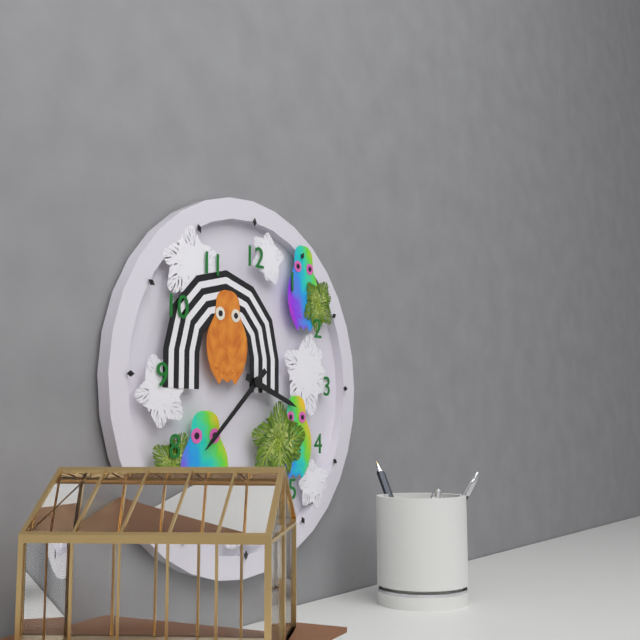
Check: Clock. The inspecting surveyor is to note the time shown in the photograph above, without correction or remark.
3:38
